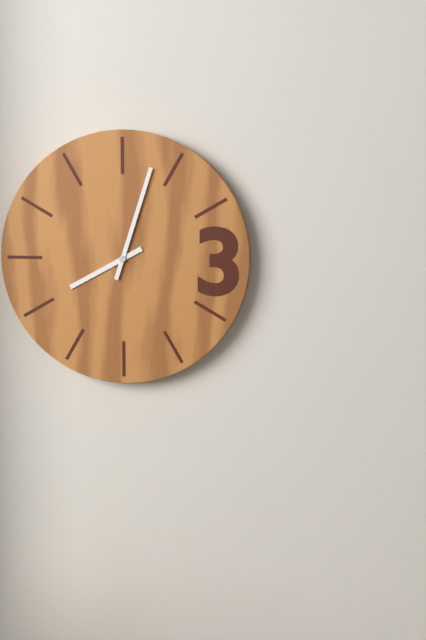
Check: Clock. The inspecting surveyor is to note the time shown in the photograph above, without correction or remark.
8:03
